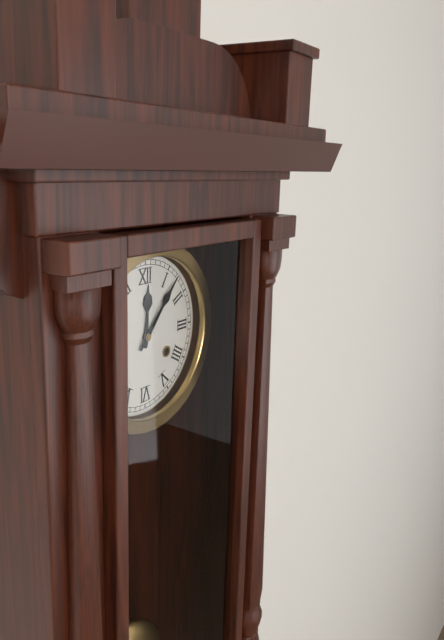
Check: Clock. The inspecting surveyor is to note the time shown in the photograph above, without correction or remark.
12:07
